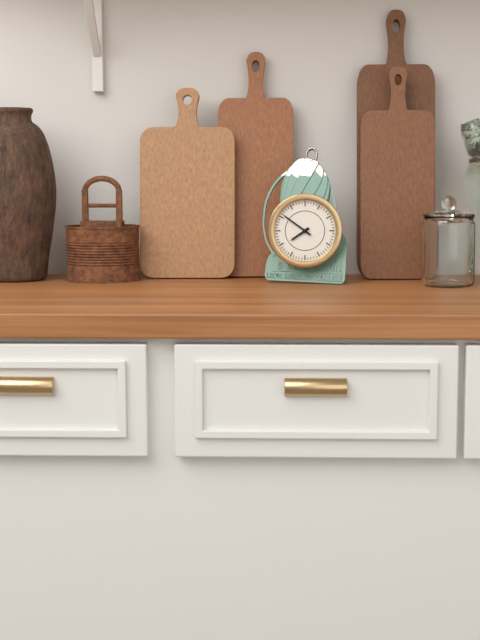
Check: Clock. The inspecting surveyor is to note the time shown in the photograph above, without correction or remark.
7:51
